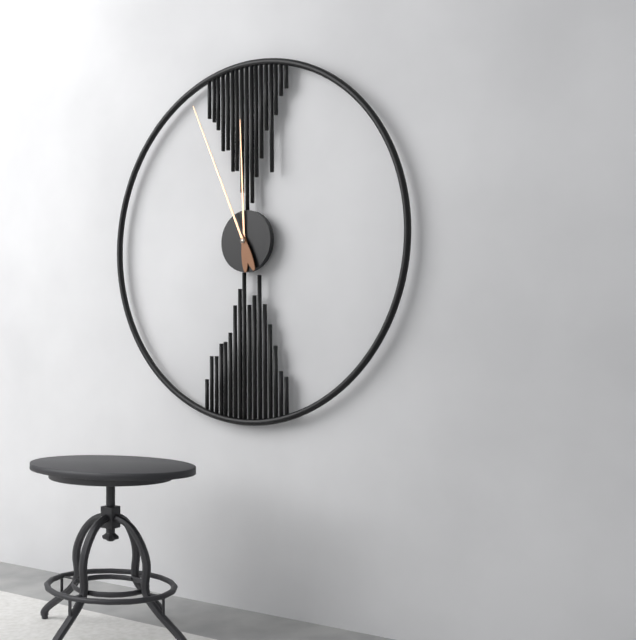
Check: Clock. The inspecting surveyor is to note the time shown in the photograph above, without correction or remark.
11:56
